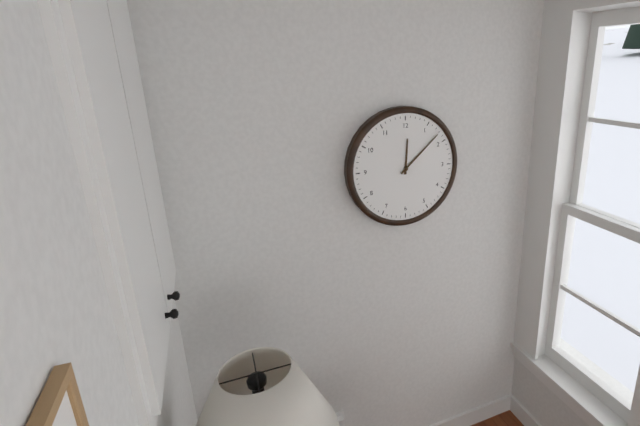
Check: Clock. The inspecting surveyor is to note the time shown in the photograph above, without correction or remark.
12:08
